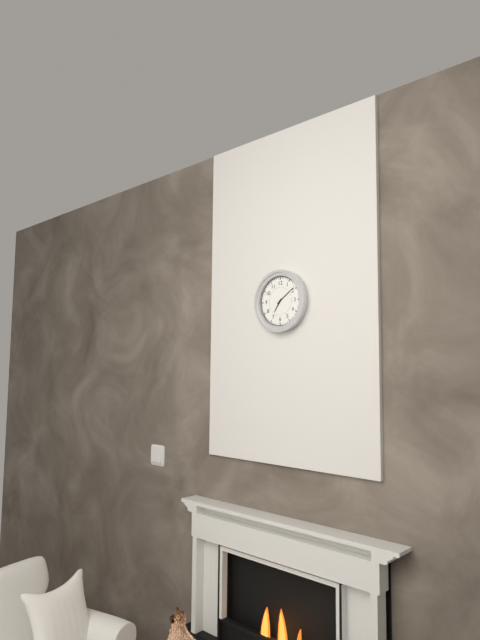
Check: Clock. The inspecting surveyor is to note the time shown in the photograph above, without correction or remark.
7:09
